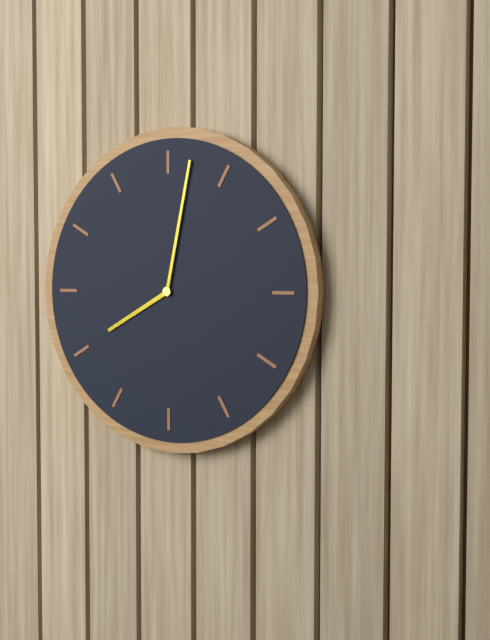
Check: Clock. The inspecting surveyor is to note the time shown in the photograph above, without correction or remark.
8:02
